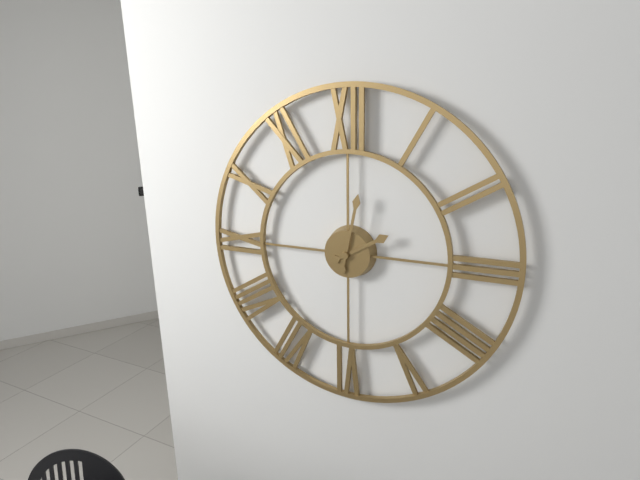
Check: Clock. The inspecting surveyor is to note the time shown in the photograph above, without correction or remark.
2:02
